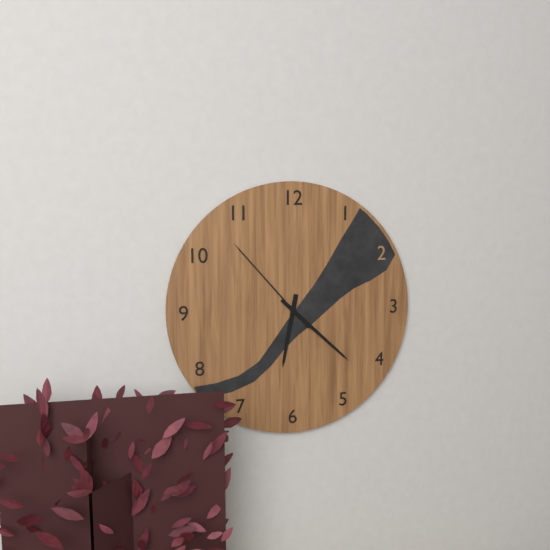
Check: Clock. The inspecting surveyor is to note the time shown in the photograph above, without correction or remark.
6:22:53
